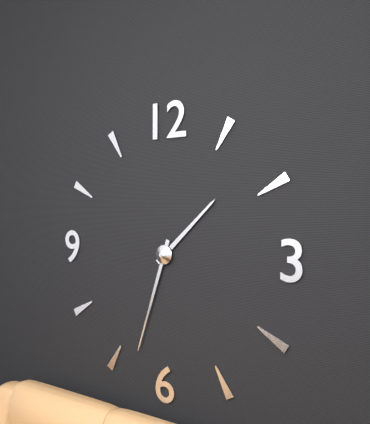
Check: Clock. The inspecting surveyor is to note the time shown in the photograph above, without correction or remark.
1:33
